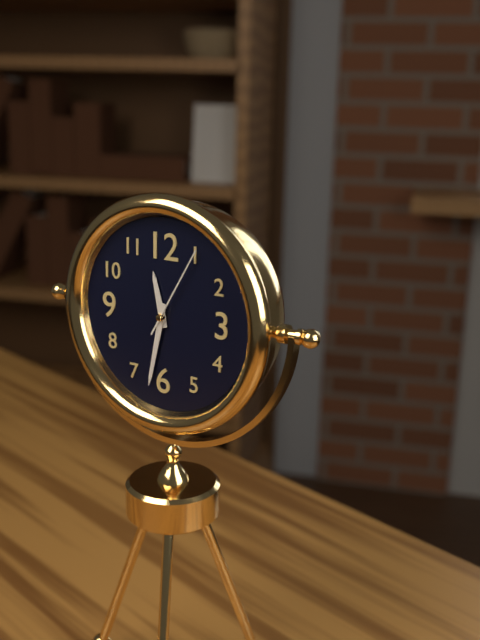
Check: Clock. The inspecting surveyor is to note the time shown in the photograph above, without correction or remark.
11:32:05
